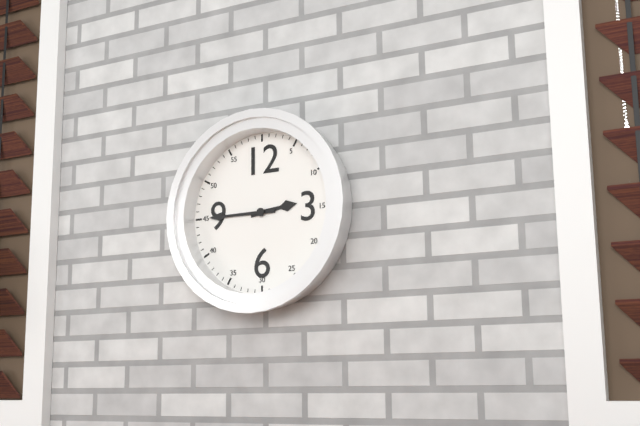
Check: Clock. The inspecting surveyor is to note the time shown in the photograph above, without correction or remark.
2:45
